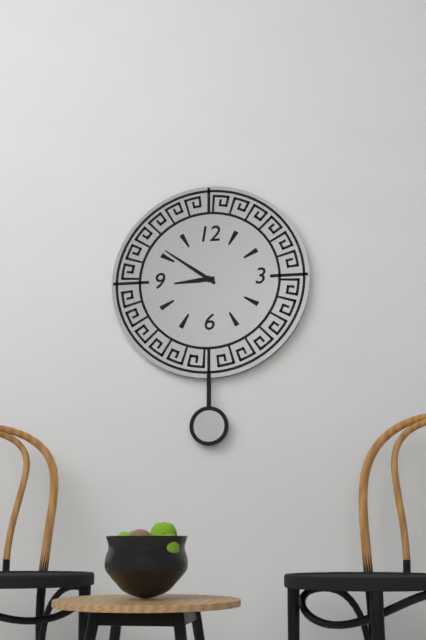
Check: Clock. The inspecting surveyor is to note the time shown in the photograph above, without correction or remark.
8:51
